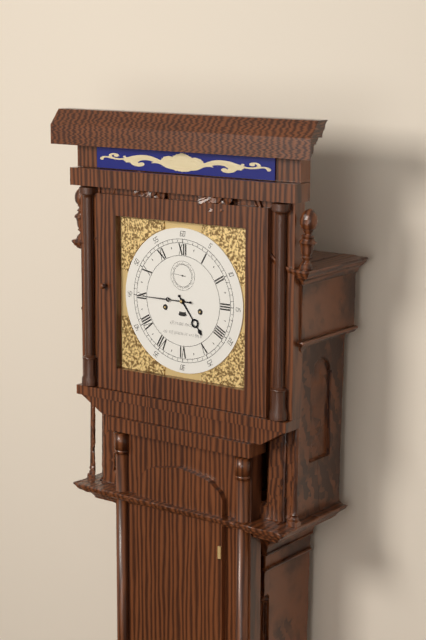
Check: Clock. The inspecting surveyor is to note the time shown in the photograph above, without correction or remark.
4:45
